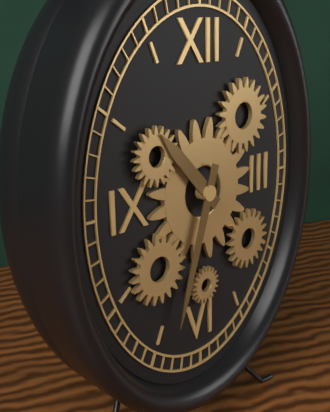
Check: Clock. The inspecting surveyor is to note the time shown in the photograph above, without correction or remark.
10:33
